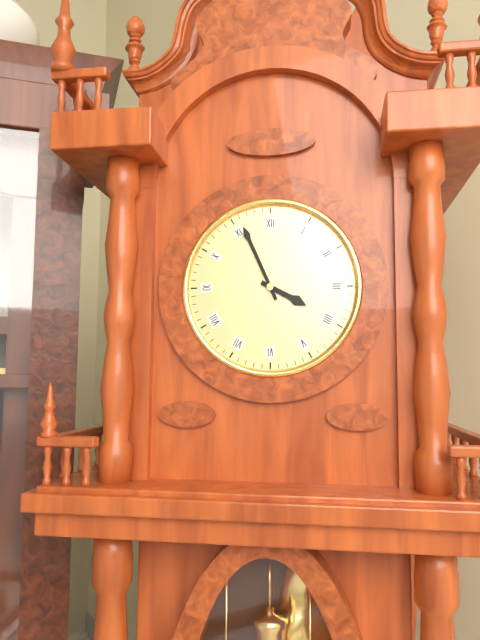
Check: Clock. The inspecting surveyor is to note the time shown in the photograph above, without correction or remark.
3:56
